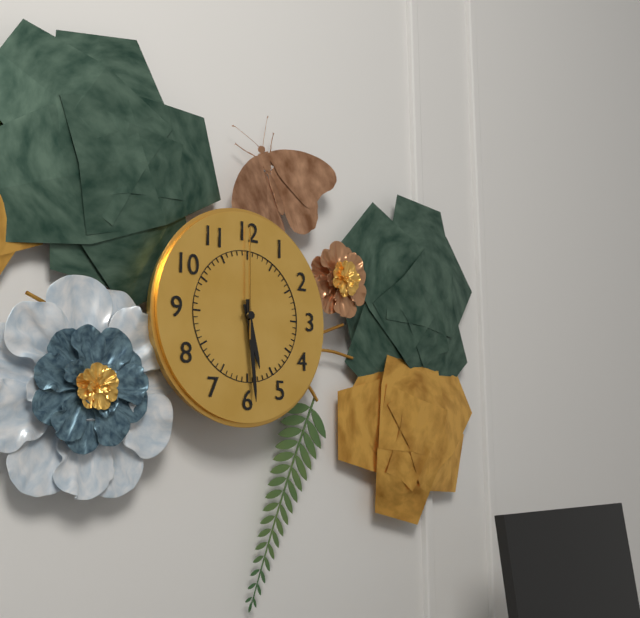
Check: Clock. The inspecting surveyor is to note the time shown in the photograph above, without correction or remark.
5:29:00
